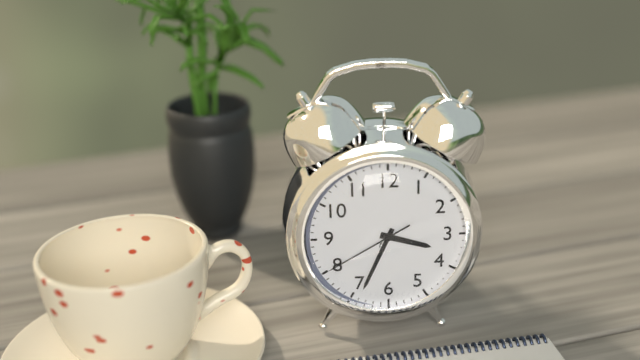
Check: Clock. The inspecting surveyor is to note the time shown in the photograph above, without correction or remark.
3:34:40
